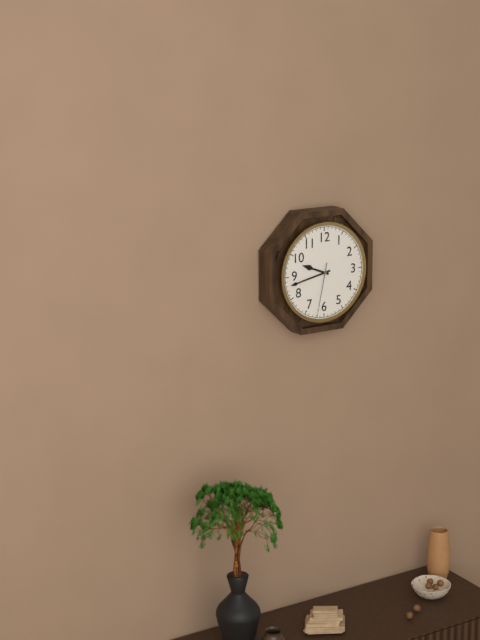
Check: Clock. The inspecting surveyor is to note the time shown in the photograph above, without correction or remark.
9:43:32
